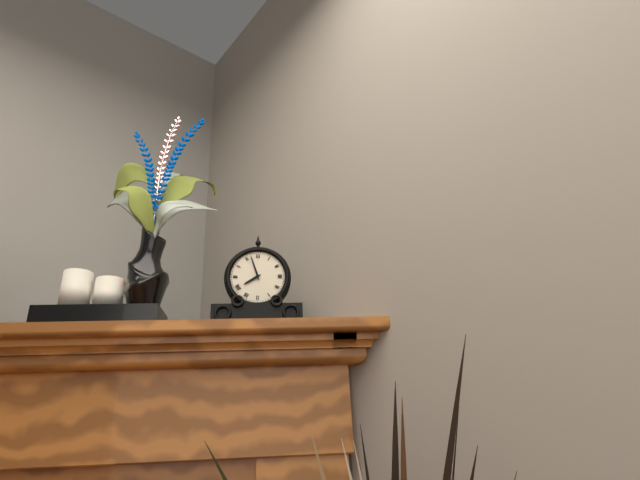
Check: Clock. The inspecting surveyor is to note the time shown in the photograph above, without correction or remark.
7:57
